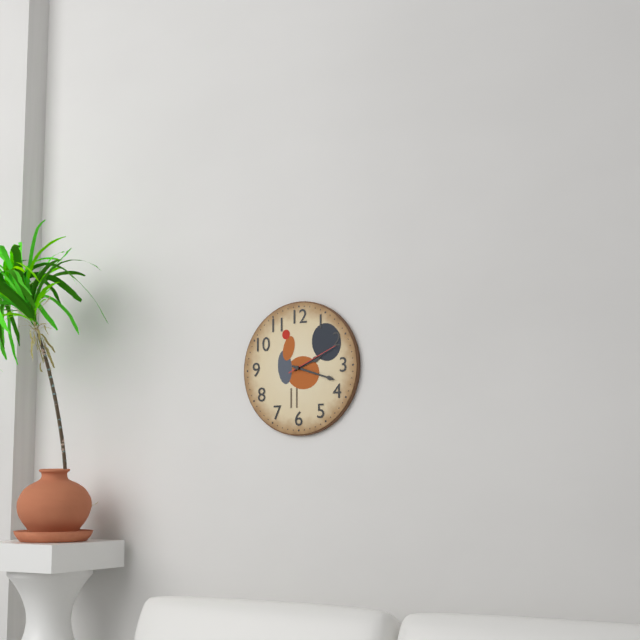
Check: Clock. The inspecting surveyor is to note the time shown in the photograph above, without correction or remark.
2:18:11
